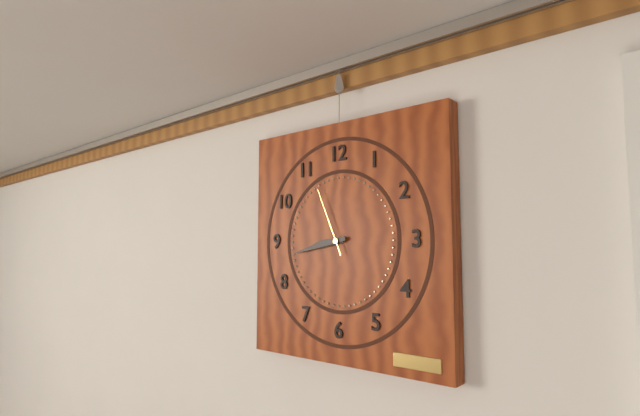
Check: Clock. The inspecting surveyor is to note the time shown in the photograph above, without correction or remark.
8:43:56
